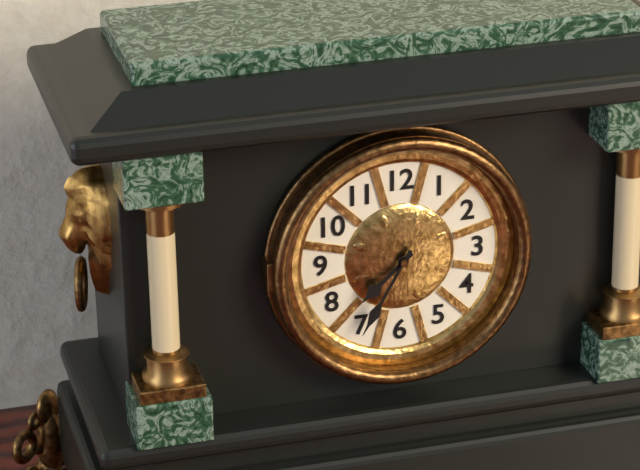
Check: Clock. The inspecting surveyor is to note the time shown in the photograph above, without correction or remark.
7:35
